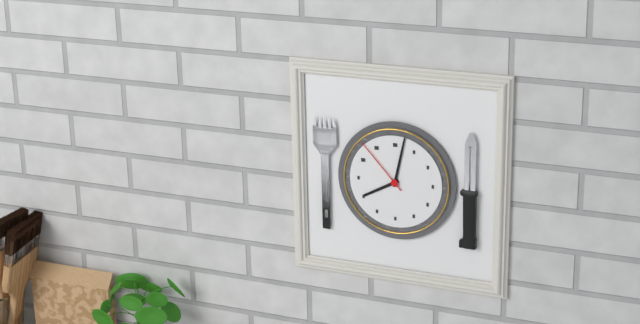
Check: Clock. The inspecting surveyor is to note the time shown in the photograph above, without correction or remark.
8:02:53
